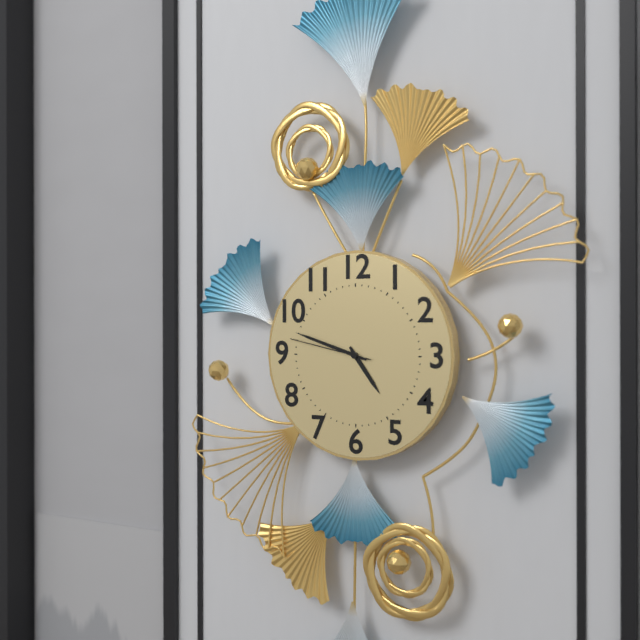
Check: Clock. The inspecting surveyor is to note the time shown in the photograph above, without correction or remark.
4:48:47
